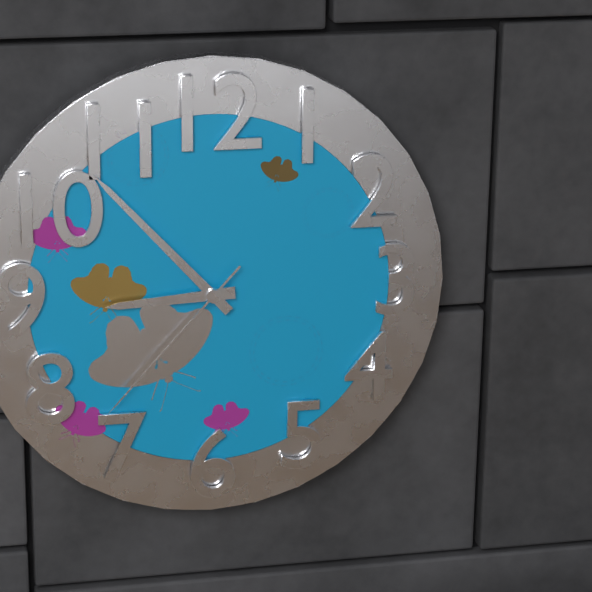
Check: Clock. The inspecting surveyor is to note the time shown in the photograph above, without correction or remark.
8:53:37
